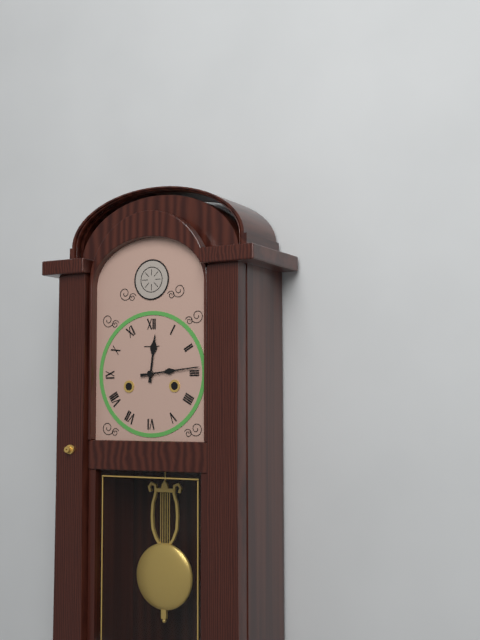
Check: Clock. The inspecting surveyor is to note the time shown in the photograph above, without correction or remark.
12:14
